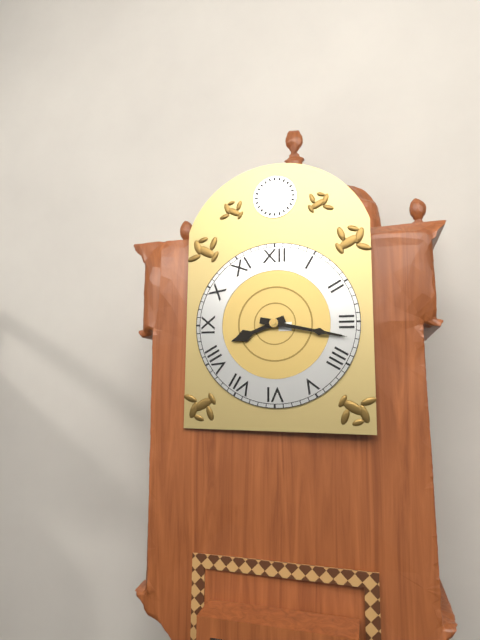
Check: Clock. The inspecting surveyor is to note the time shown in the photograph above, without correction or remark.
8:17
